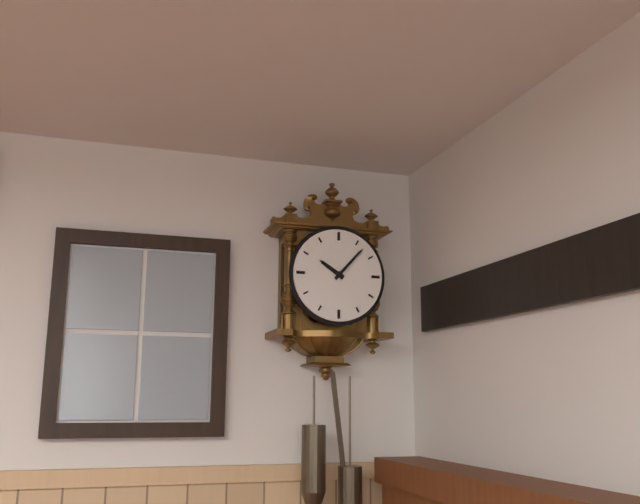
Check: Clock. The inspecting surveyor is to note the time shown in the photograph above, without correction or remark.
10:07
